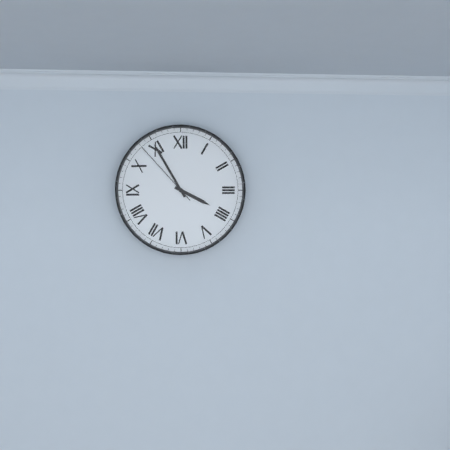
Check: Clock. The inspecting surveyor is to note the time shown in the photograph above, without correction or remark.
3:55:53
